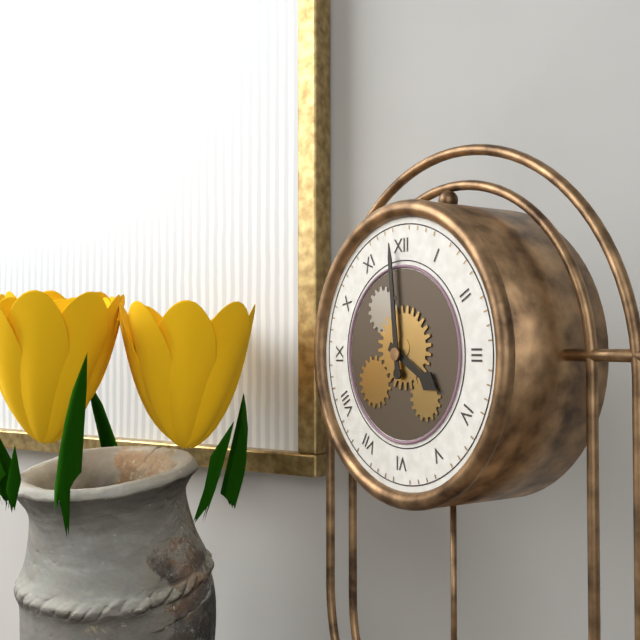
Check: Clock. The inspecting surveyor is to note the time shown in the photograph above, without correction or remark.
3:59
